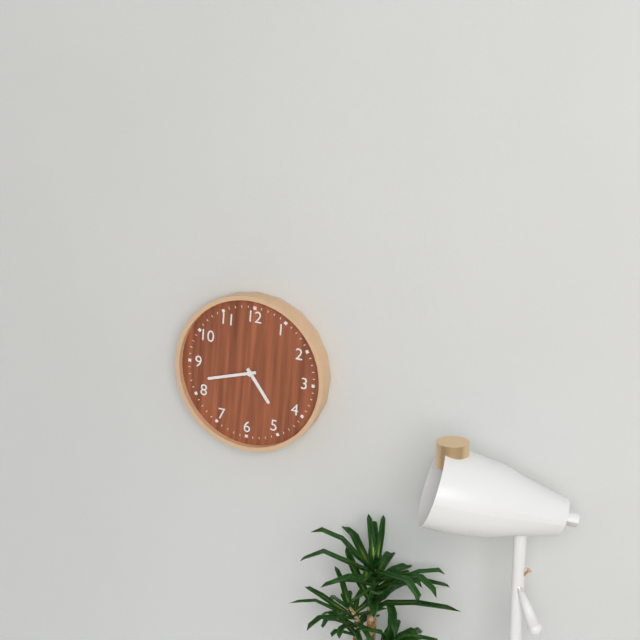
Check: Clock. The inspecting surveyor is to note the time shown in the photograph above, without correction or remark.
4:42
